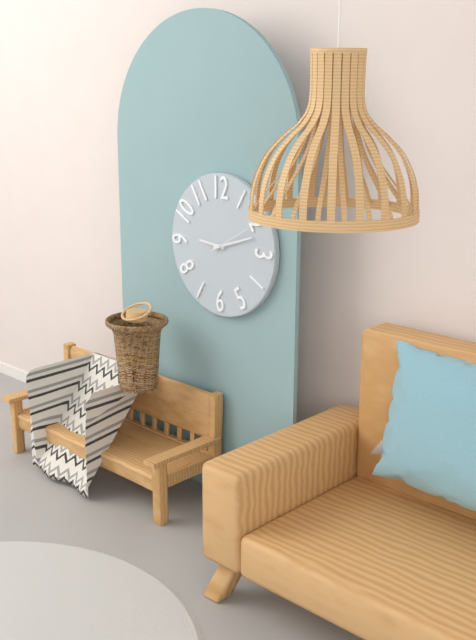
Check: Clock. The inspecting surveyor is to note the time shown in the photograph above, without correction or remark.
9:12
